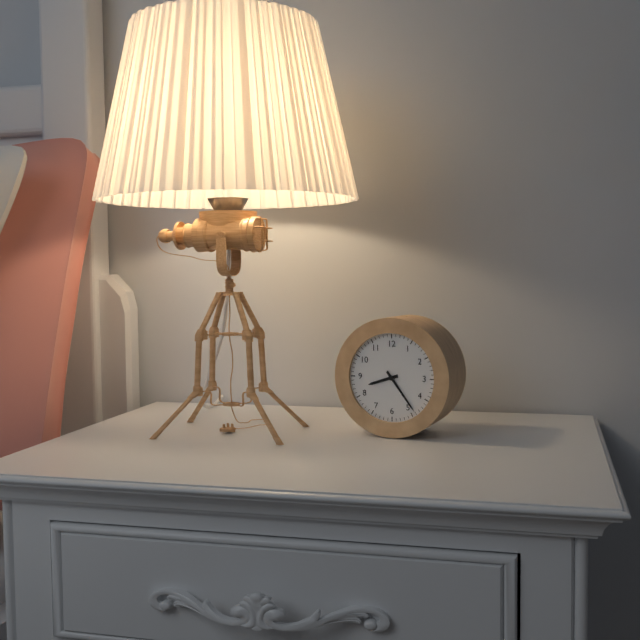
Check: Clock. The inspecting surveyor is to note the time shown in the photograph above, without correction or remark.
8:24
